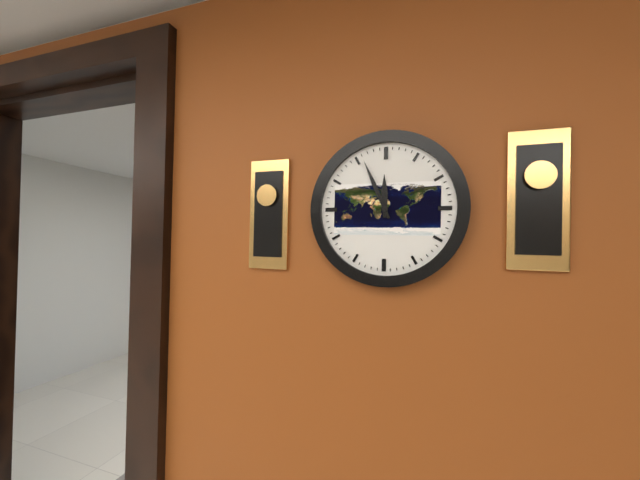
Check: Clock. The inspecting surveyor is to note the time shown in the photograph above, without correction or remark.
11:56
